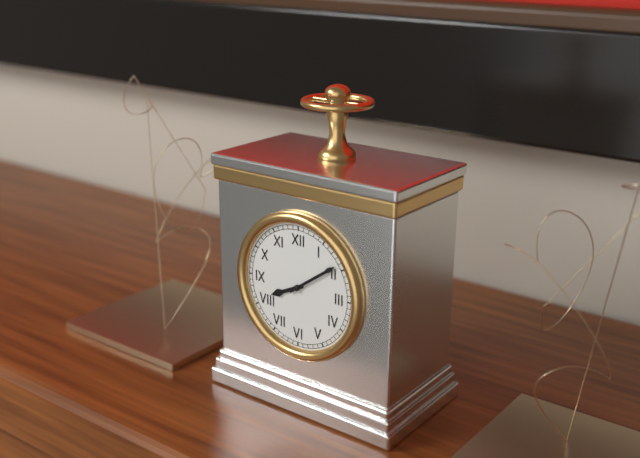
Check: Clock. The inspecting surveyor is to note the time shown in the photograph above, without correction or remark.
8:09
